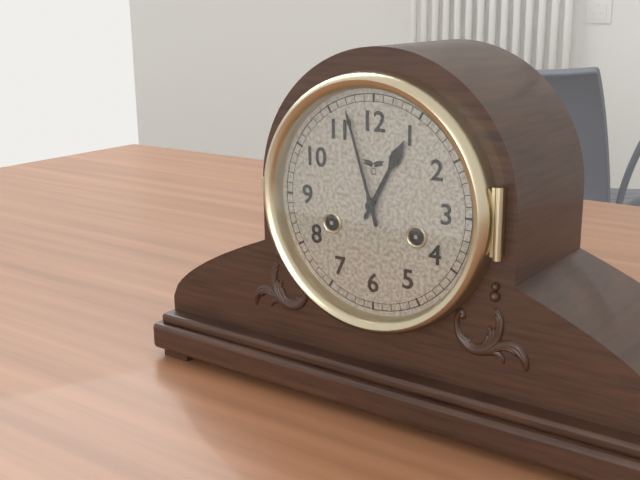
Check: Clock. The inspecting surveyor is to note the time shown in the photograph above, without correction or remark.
12:57
